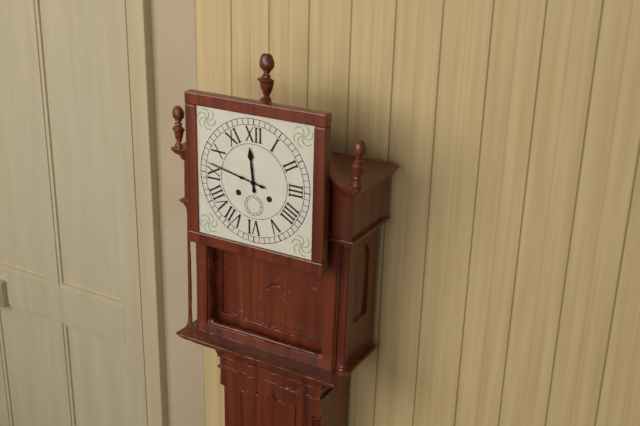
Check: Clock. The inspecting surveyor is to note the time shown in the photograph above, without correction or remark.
11:47
